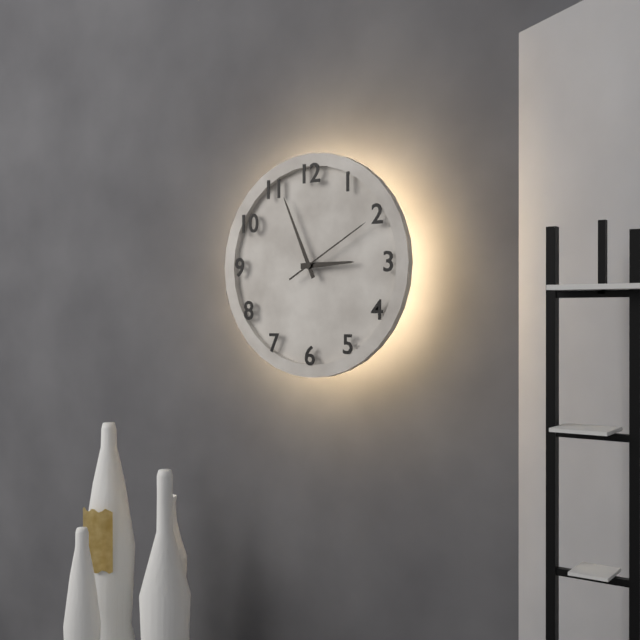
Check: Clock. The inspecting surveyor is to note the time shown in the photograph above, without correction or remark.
2:56:10
